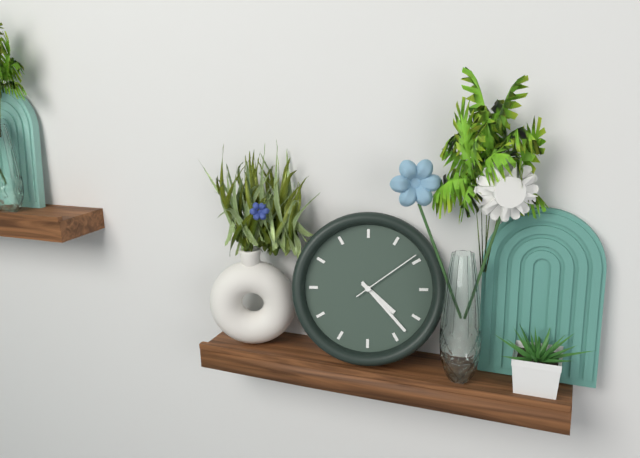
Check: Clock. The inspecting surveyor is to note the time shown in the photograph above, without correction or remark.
4:23:09
